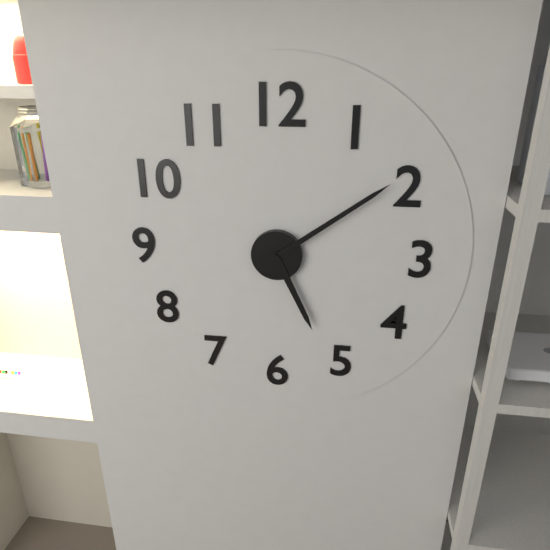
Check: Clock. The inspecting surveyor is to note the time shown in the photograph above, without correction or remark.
5:09
